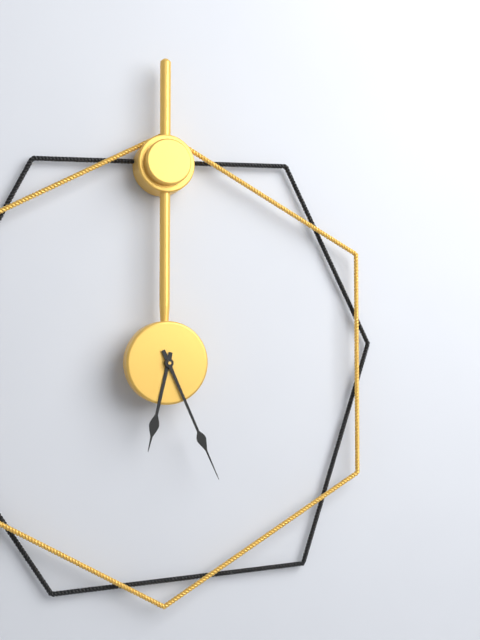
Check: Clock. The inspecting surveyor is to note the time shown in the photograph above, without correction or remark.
6:26
